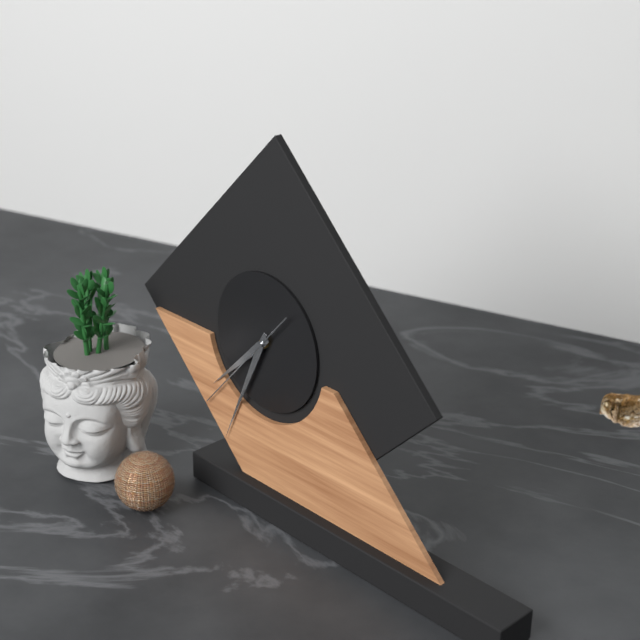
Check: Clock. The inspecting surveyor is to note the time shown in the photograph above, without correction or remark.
7:34:37
